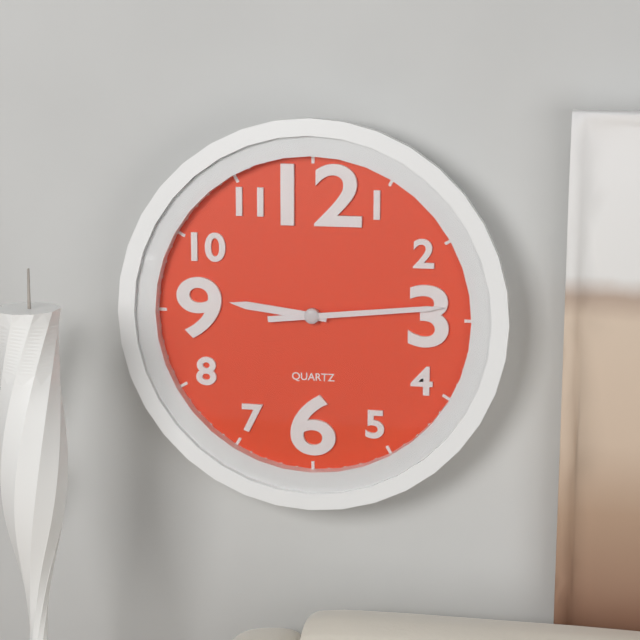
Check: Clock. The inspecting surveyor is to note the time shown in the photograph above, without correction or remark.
9:14
